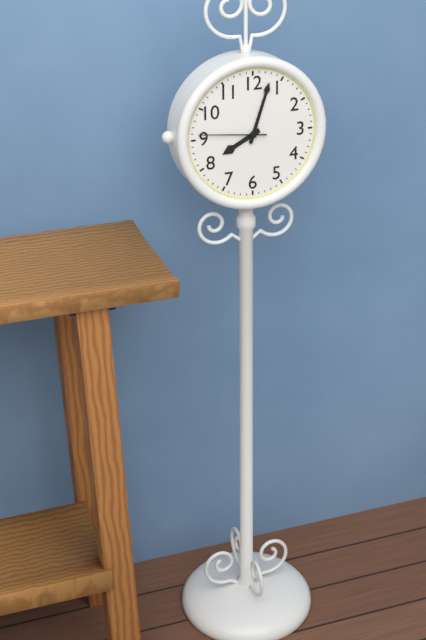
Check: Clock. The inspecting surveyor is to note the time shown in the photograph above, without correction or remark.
8:03:46
